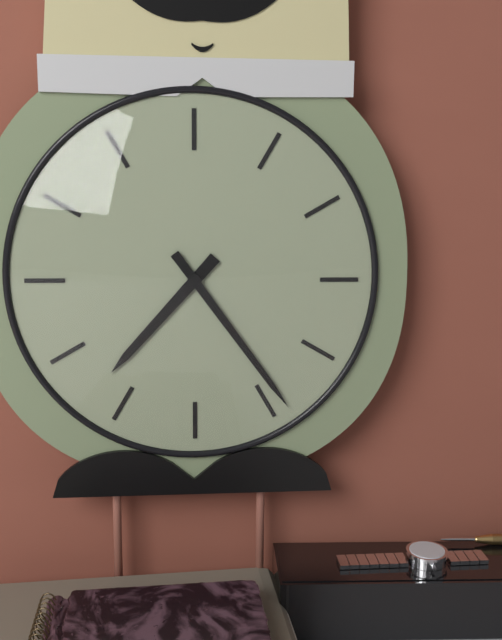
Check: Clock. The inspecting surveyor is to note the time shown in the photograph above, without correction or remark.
7:24
